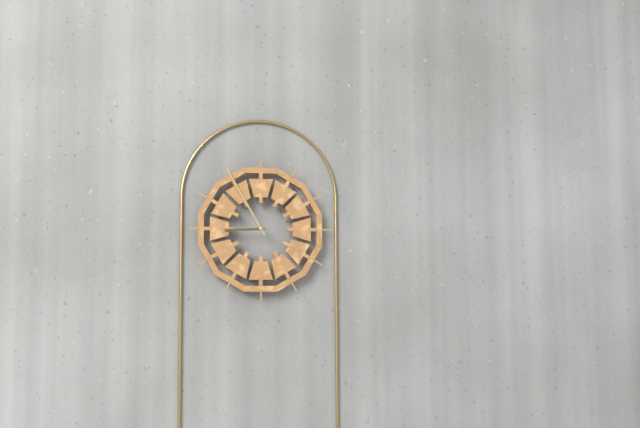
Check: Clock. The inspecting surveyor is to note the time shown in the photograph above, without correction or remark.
8:55
